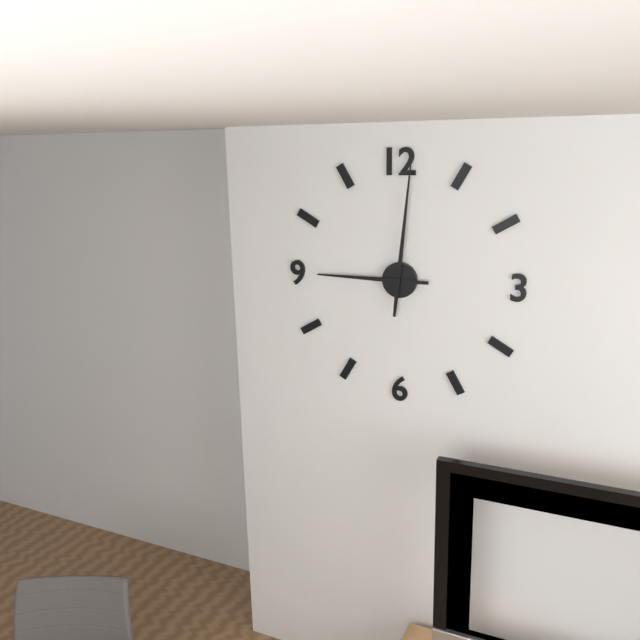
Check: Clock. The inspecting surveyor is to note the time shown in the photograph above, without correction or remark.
9:01
